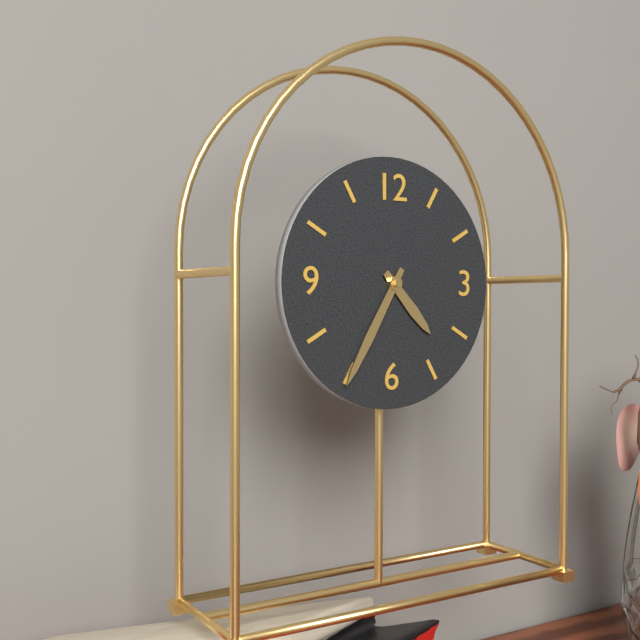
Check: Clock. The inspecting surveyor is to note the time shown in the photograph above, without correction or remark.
4:35
